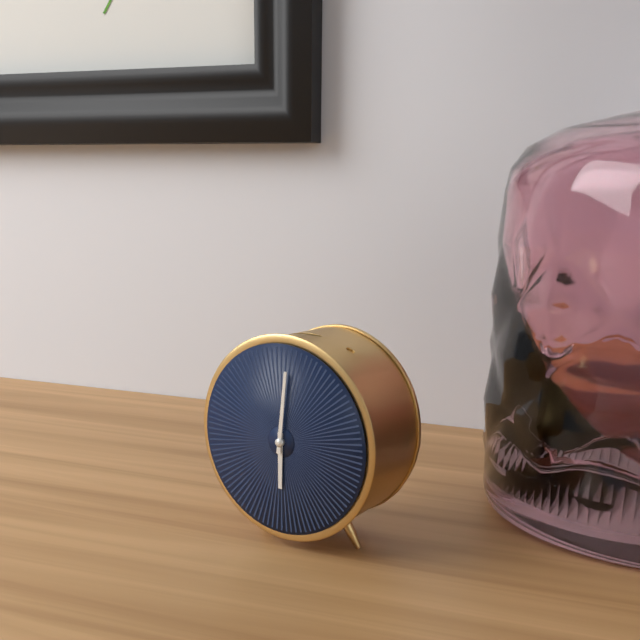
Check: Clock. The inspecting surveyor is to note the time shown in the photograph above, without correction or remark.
6:01
